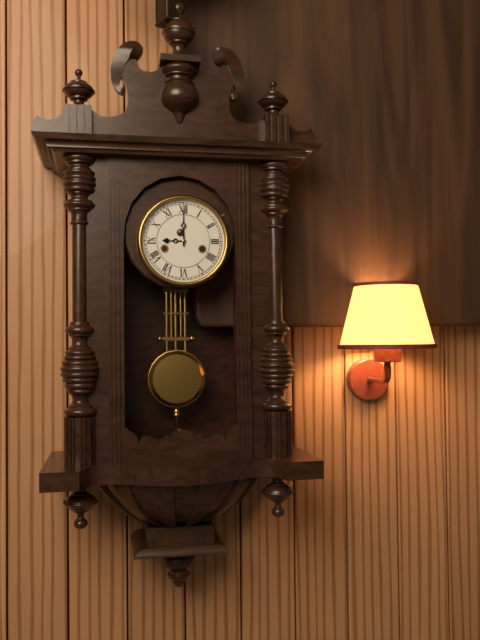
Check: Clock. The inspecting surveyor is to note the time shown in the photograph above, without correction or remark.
9:00
